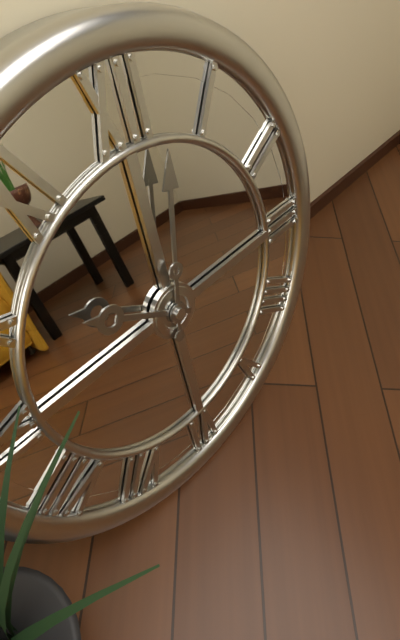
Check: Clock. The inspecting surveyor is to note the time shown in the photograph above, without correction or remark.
10:02
